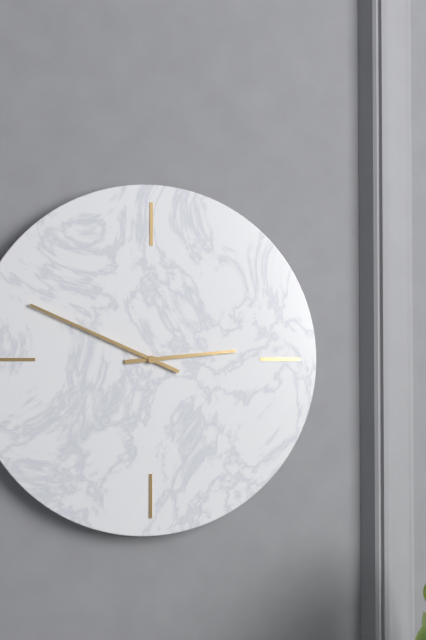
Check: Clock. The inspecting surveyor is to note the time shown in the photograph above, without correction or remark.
2:49
